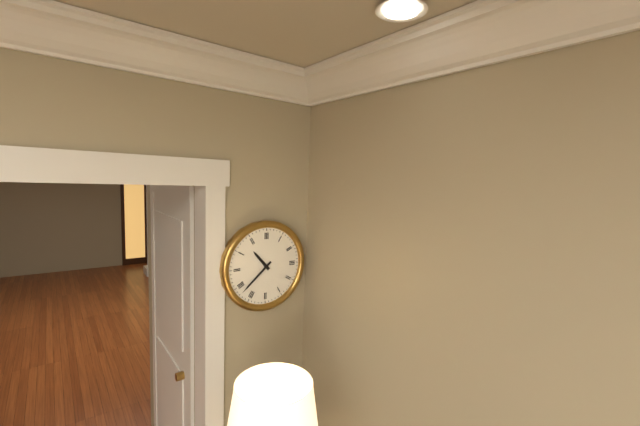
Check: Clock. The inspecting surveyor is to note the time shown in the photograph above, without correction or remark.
10:38
